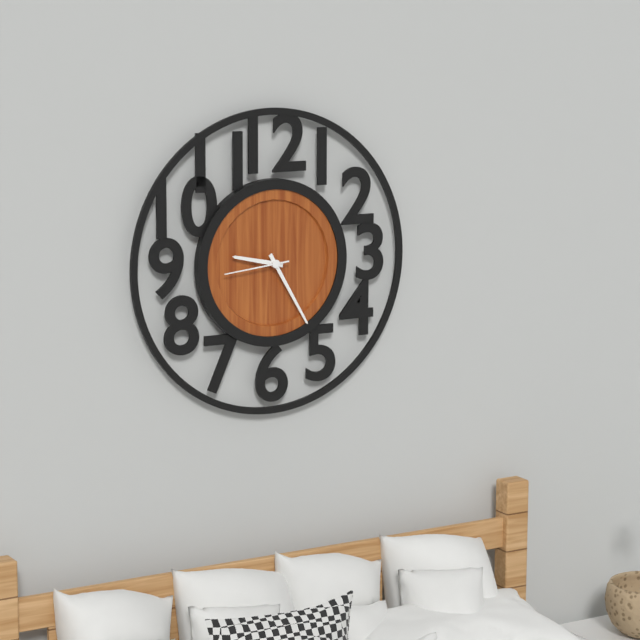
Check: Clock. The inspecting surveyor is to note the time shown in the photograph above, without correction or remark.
9:25:44
